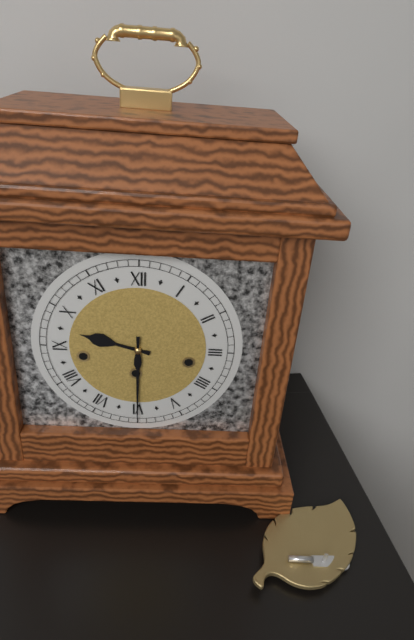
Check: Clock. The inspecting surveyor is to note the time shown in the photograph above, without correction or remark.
9:30
